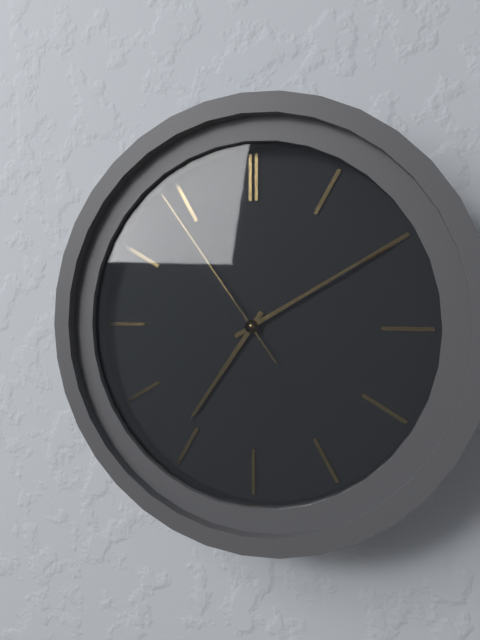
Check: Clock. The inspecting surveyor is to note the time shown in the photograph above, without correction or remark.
7:10:54
